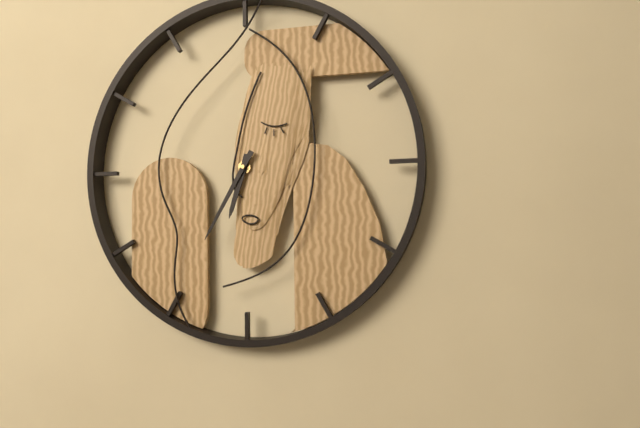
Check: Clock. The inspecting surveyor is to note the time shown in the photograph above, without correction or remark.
6:35
